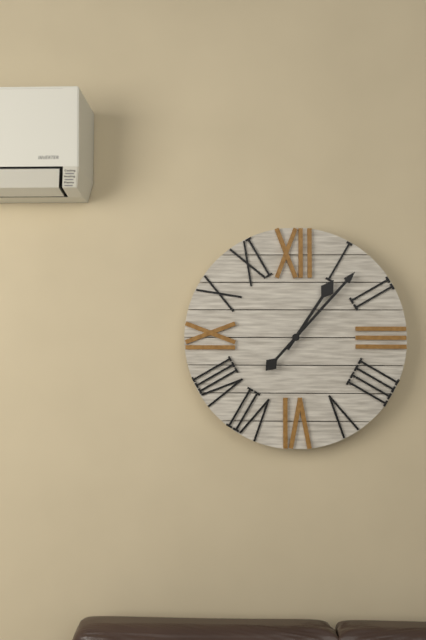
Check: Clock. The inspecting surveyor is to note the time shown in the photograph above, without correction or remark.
1:07
